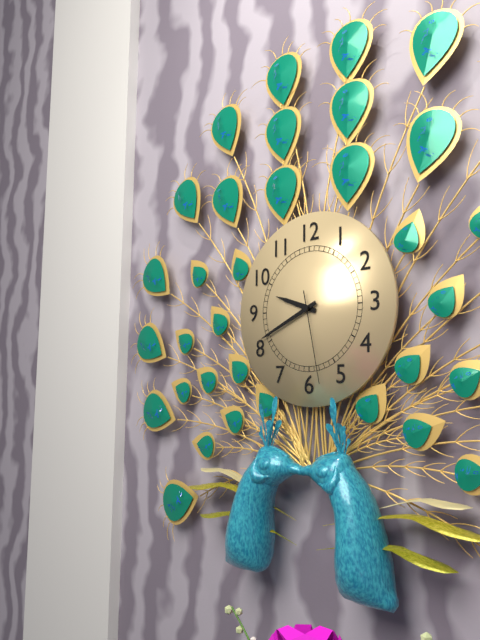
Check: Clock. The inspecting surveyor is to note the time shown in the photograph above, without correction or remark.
9:41:28
